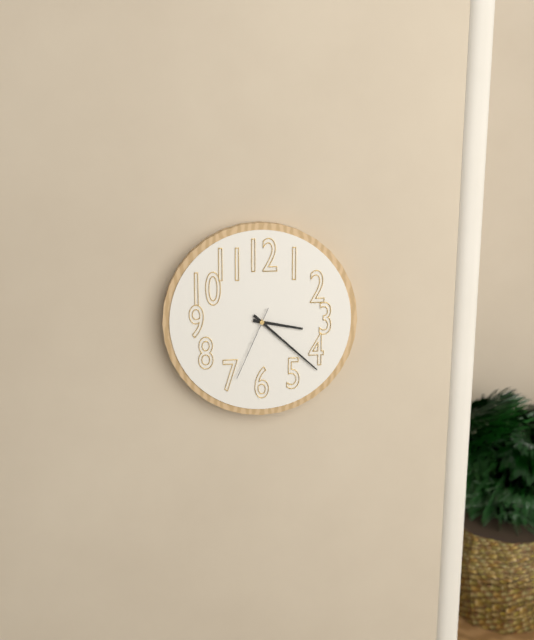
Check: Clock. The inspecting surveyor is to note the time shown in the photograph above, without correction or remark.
3:22:34
